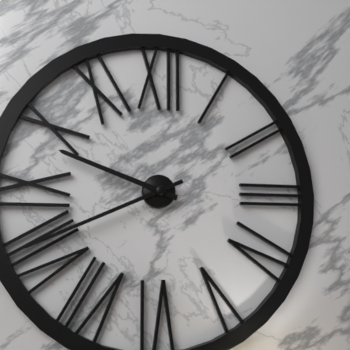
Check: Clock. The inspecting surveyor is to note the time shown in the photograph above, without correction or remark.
9:41
